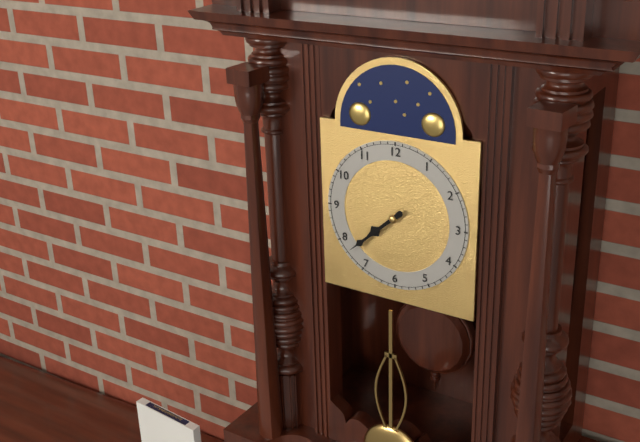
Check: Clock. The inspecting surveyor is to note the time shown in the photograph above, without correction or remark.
7:38
